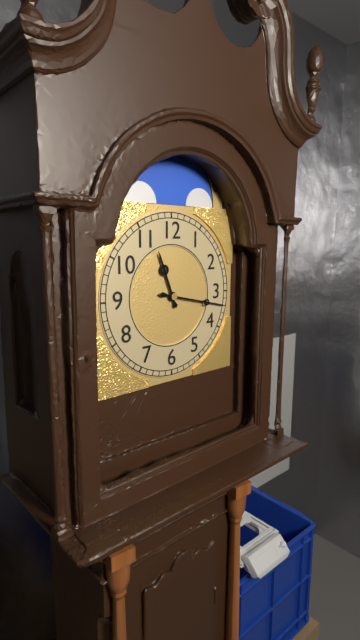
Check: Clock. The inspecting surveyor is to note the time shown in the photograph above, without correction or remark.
11:17
